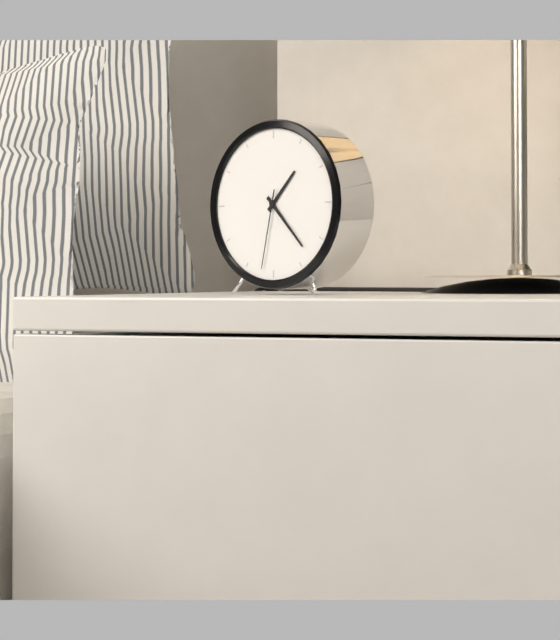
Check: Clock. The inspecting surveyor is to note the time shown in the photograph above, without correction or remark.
1:23:32
